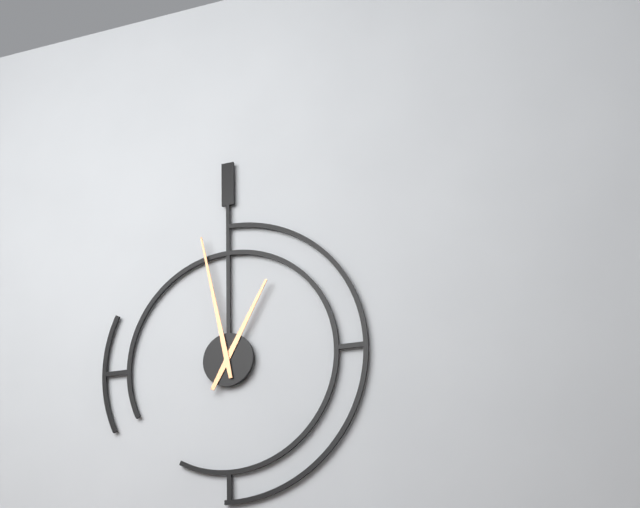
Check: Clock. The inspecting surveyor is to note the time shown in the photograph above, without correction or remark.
12:58
